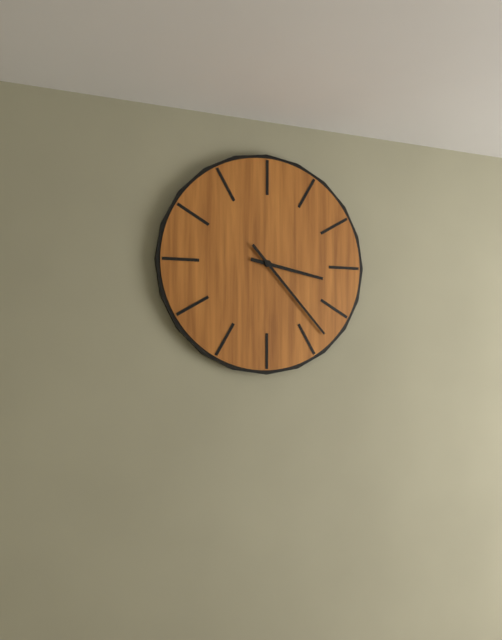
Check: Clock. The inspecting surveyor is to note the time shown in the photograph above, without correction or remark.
3:23
